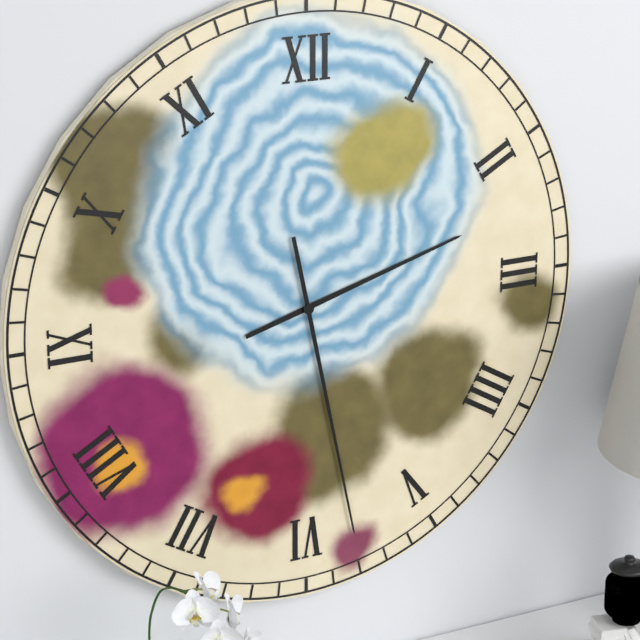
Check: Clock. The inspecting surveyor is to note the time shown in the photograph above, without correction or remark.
2:28
